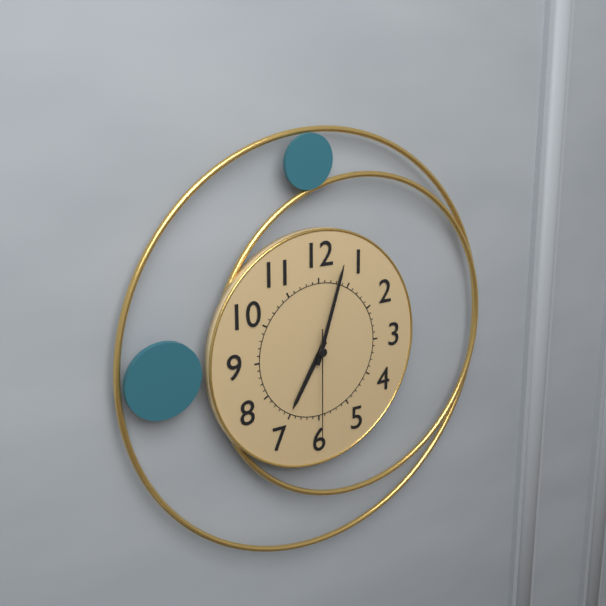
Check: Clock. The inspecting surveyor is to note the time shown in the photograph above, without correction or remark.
7:03:30
